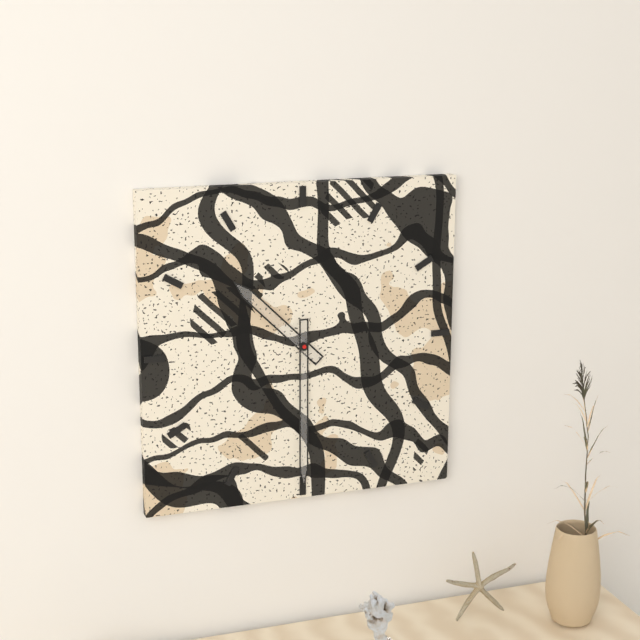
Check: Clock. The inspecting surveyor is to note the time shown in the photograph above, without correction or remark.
10:30
